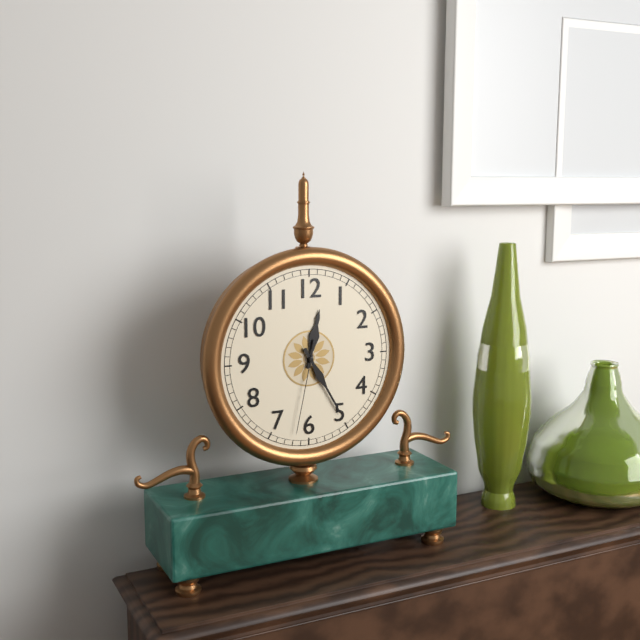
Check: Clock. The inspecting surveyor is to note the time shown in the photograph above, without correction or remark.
12:25:32
